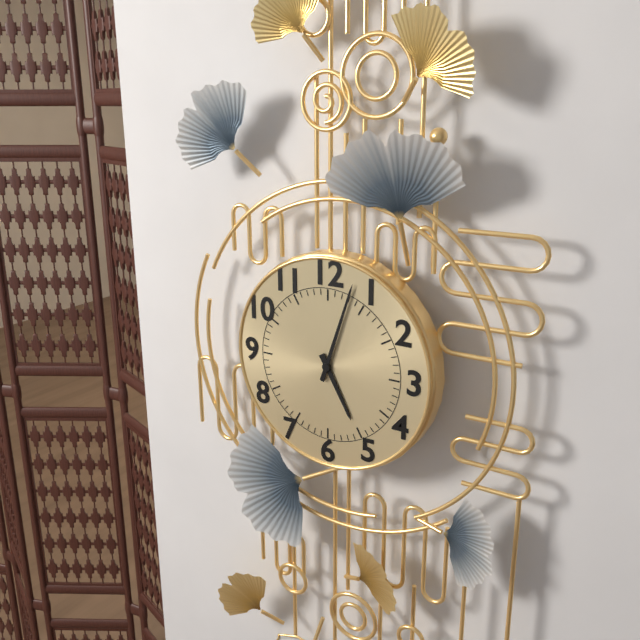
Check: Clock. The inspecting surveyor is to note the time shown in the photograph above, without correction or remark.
5:03
